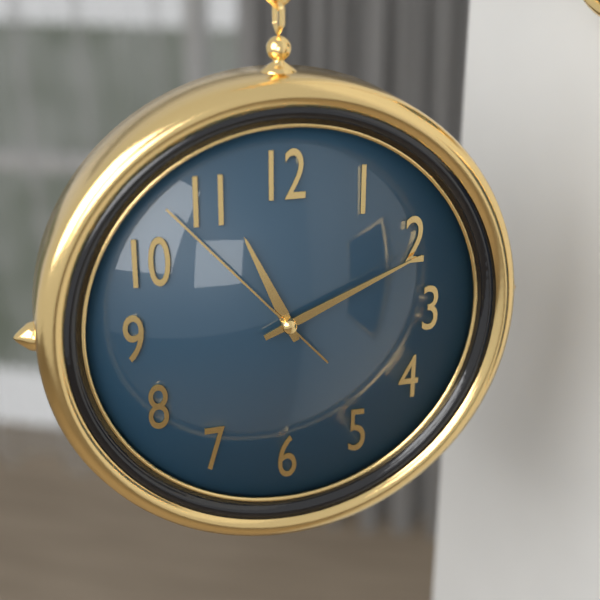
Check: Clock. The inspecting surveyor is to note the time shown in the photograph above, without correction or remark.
11:11:53
